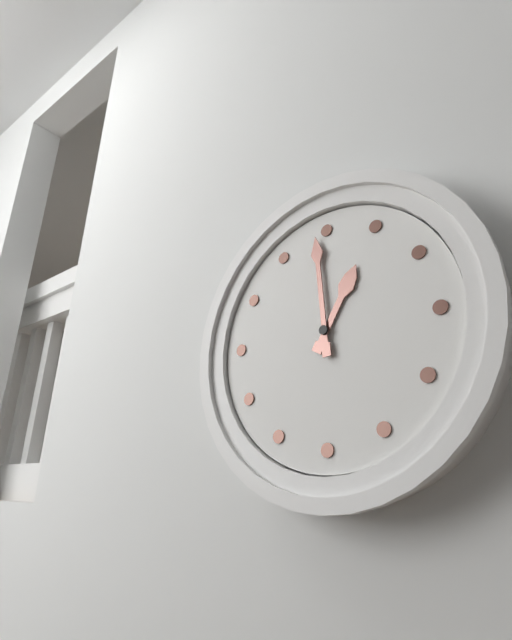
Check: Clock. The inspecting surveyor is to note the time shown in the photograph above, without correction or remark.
12:59
